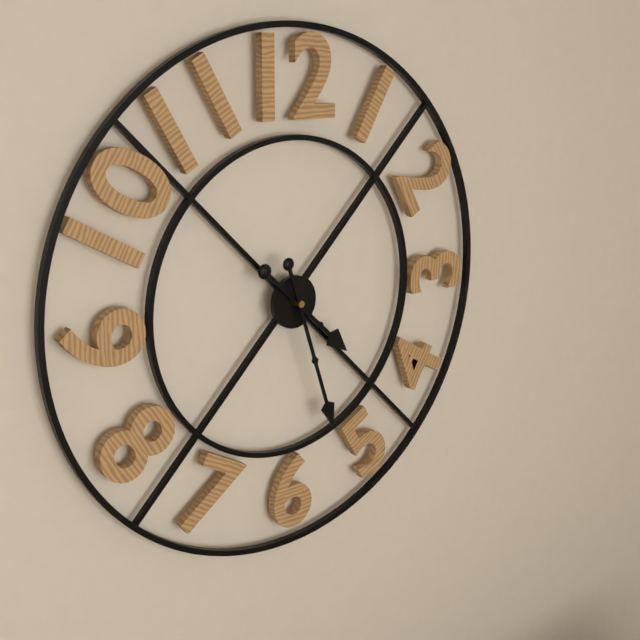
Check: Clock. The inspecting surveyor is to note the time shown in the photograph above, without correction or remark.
4:27
